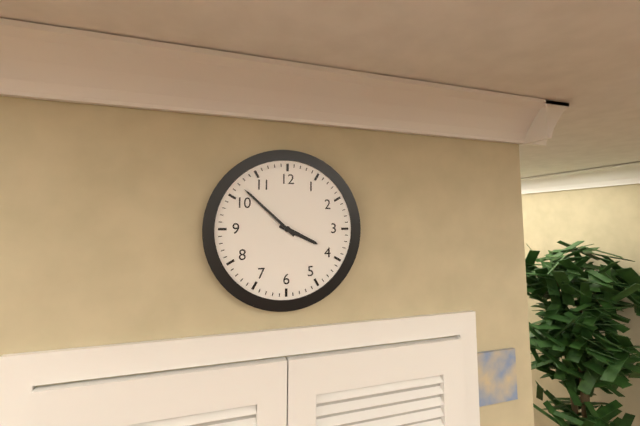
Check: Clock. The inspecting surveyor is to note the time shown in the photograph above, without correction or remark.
3:52
